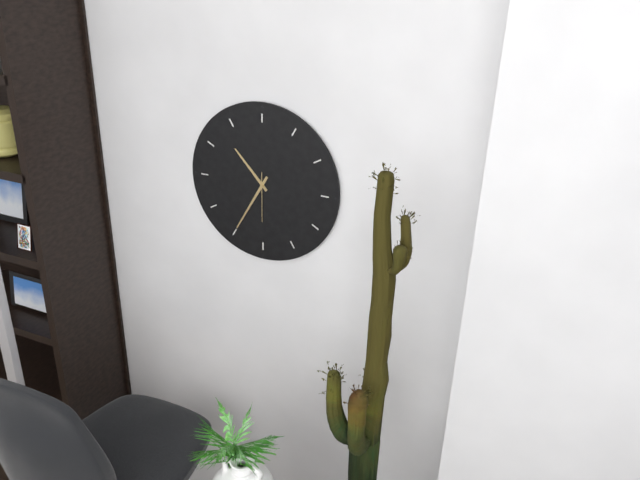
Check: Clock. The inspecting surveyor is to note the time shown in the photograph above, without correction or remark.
10:35
